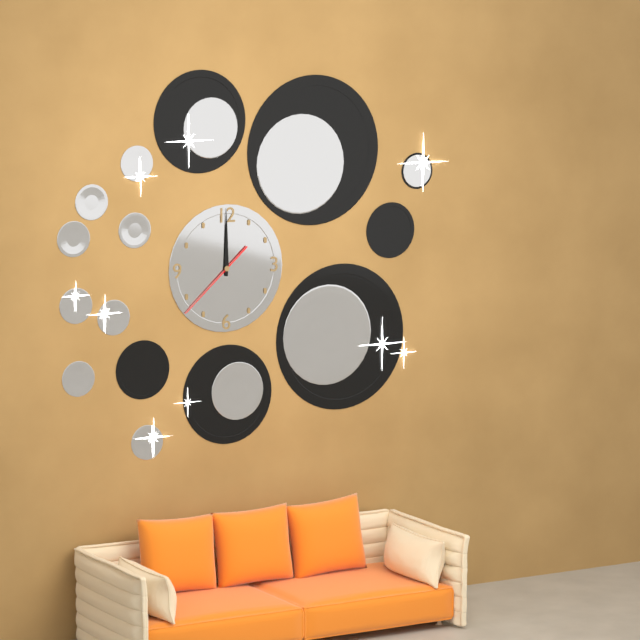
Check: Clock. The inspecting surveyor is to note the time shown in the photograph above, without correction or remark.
12:00:38
